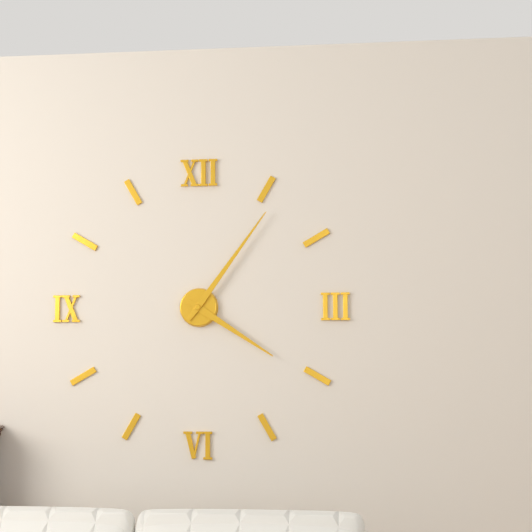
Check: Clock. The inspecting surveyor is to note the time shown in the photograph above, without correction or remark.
4:06
